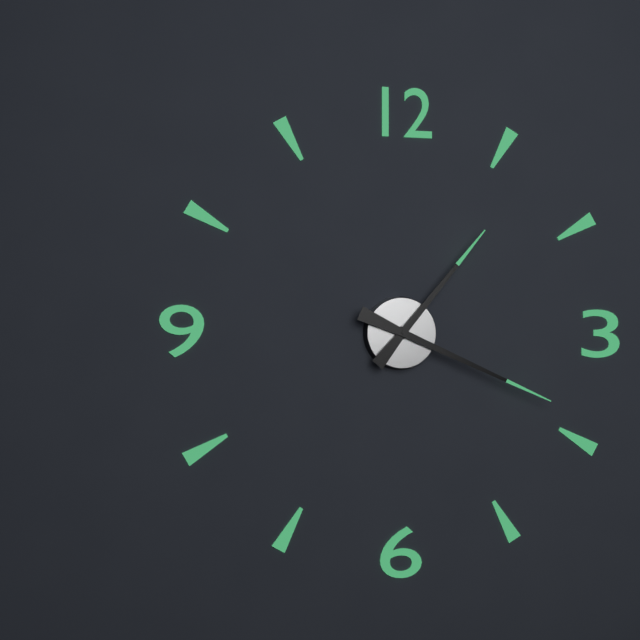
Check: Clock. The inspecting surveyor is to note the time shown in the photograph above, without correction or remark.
1:19
